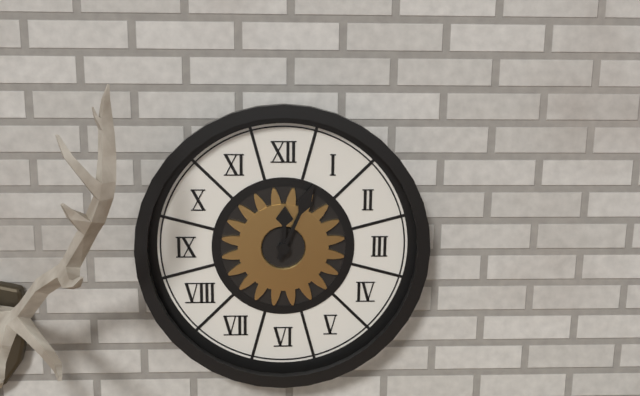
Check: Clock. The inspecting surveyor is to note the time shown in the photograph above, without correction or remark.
12:04
